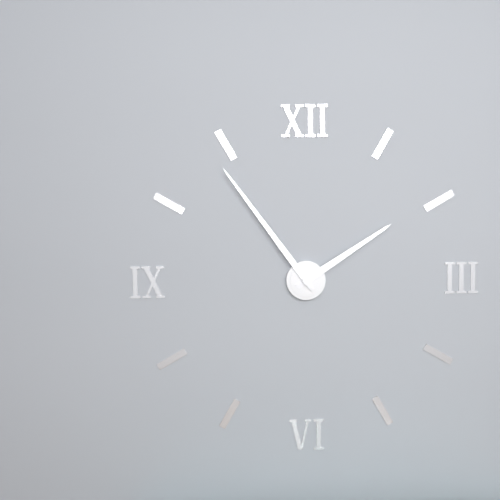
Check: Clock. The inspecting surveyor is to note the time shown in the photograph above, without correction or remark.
1:54
